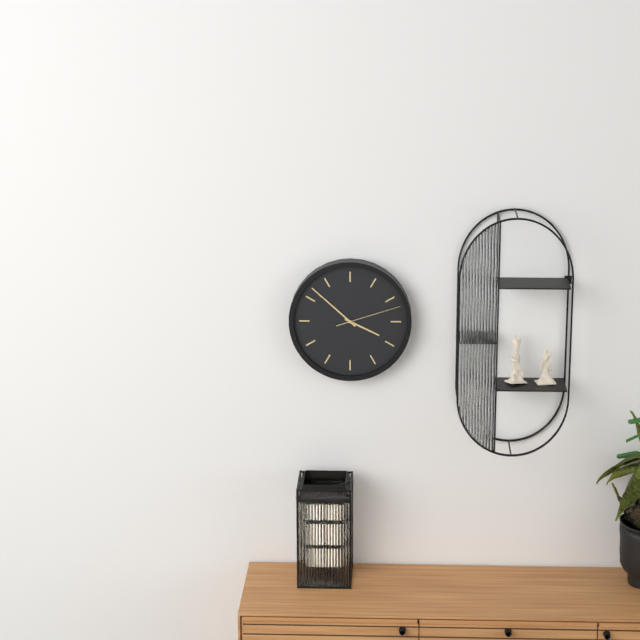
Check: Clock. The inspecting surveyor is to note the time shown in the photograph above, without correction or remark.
3:52:12
